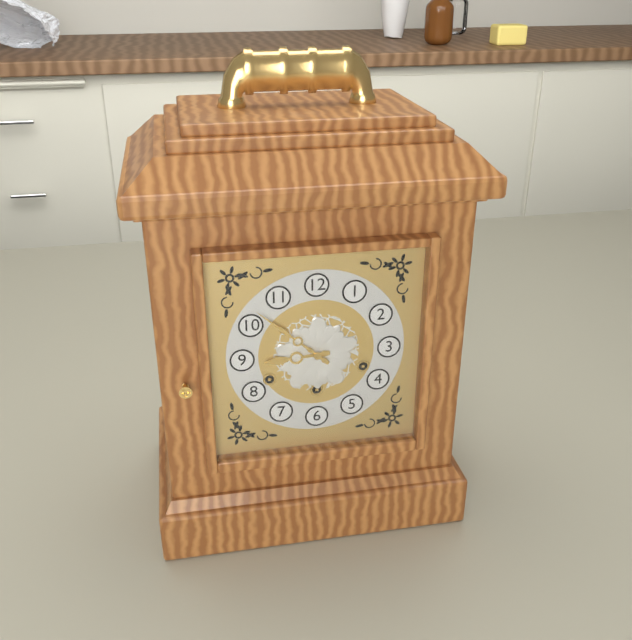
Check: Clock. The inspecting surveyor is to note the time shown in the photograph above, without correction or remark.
8:52
